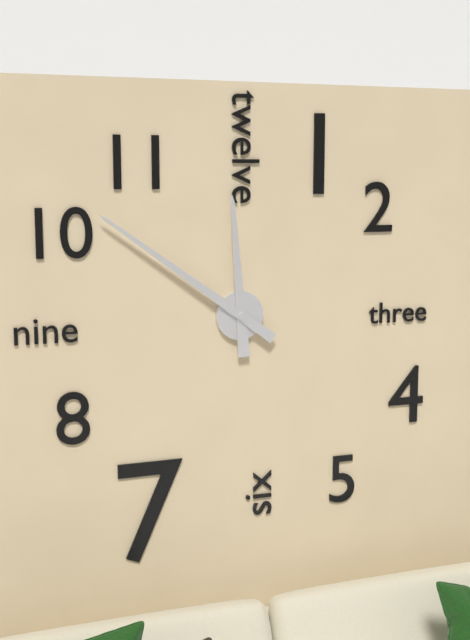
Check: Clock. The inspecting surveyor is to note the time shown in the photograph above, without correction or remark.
11:51
